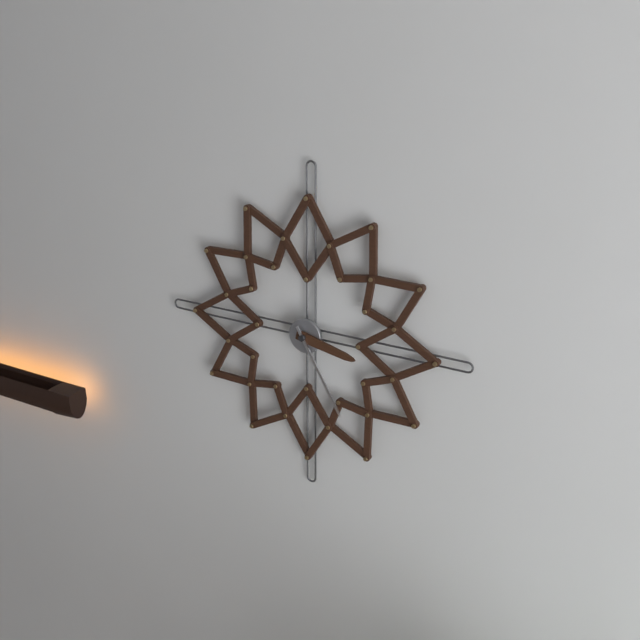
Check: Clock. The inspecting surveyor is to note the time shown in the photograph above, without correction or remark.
3:25
